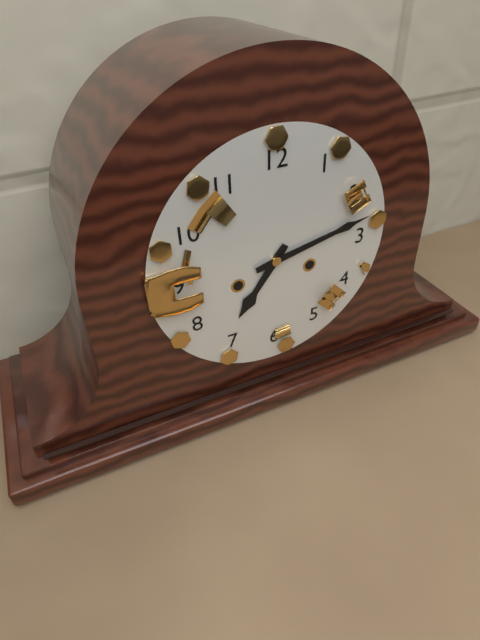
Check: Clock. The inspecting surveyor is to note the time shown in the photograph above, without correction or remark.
7:13
